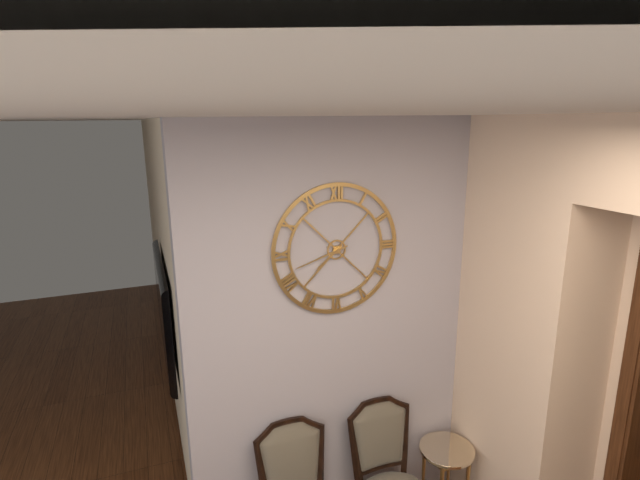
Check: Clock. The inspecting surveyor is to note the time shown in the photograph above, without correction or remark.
7:42
